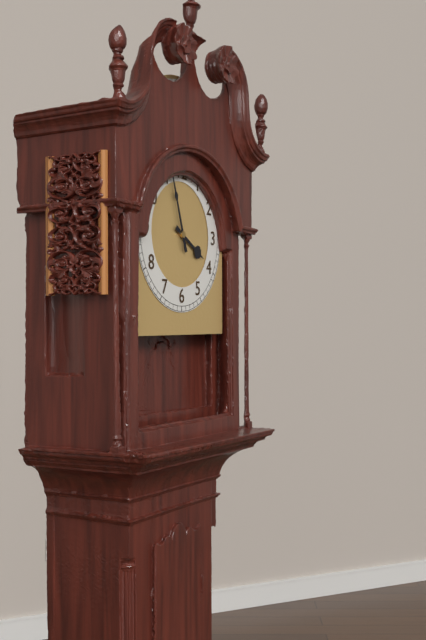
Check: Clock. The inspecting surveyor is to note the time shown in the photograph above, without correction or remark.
3:57
